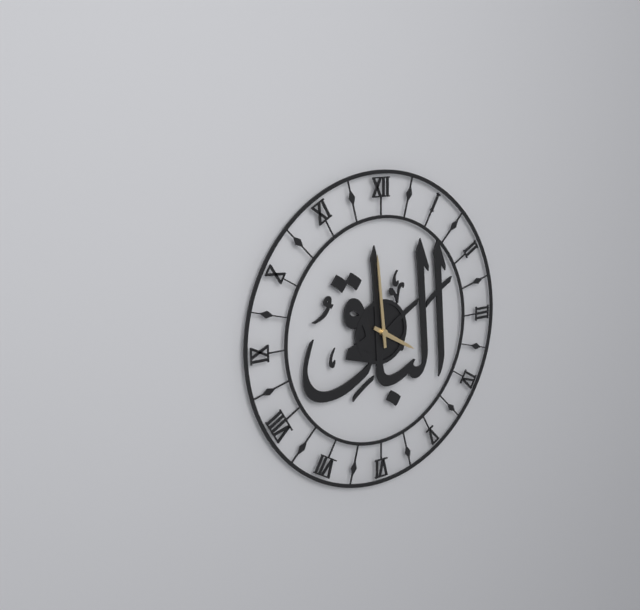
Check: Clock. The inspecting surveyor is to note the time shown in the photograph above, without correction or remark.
3:59
